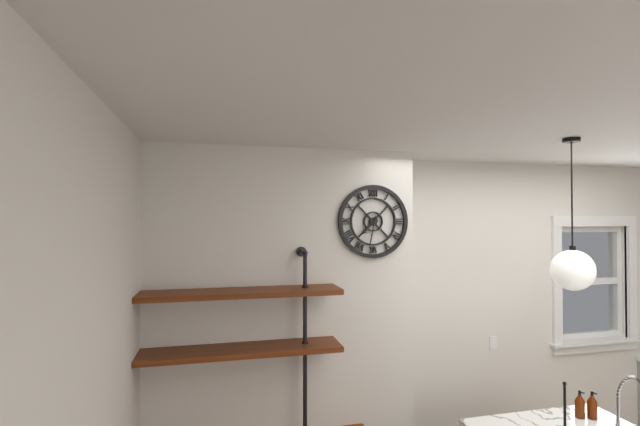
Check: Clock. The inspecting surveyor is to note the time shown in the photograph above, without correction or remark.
7:32
